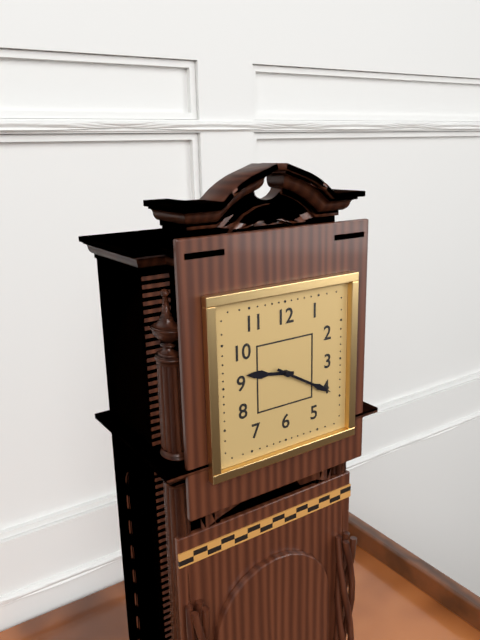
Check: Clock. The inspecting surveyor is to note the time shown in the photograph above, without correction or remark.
9:20
